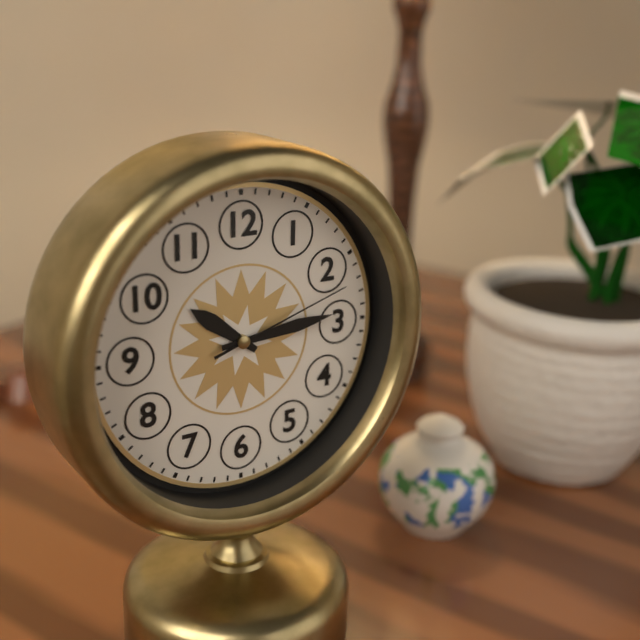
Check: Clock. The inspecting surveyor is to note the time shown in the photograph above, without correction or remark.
10:14:12
